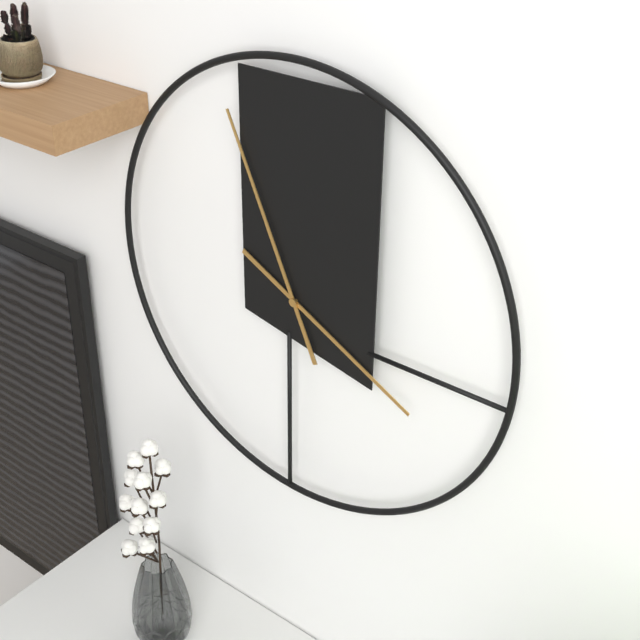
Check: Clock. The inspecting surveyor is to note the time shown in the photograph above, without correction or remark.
3:56
